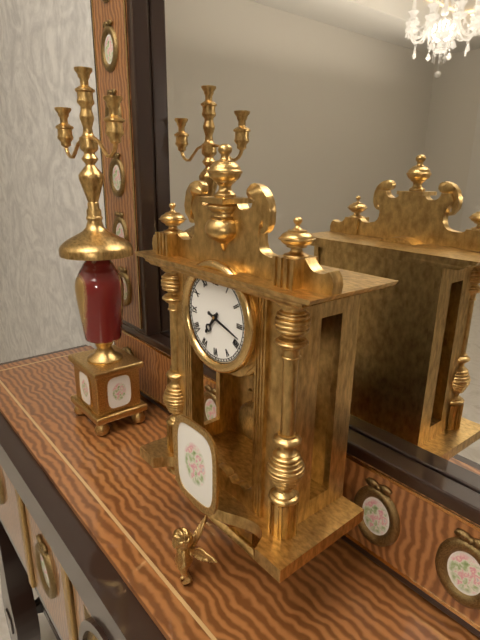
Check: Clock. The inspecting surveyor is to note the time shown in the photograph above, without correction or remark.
7:18
